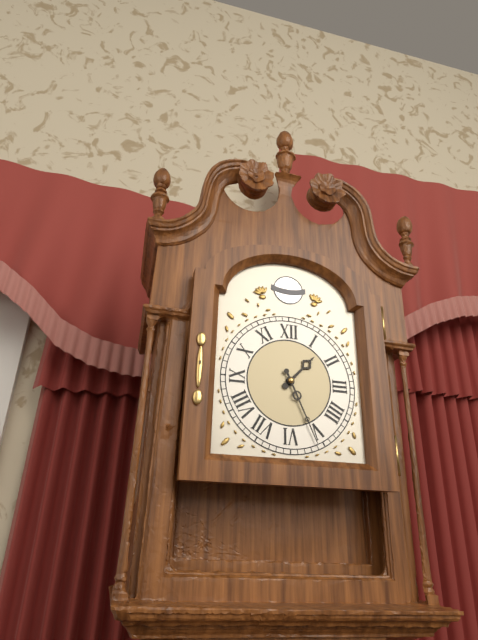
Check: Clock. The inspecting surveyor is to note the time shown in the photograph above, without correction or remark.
1:26
